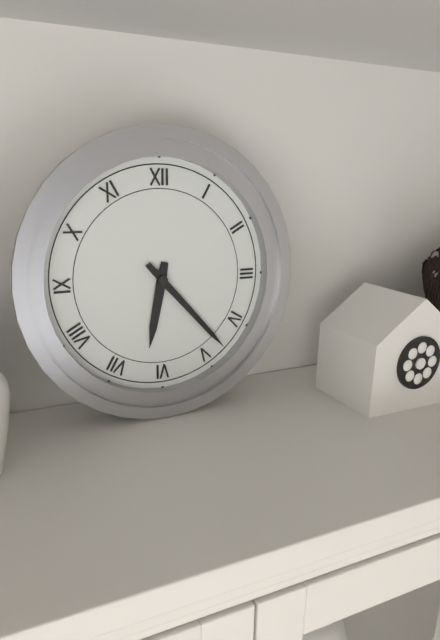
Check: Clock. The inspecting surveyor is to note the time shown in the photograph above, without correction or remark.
6:23
